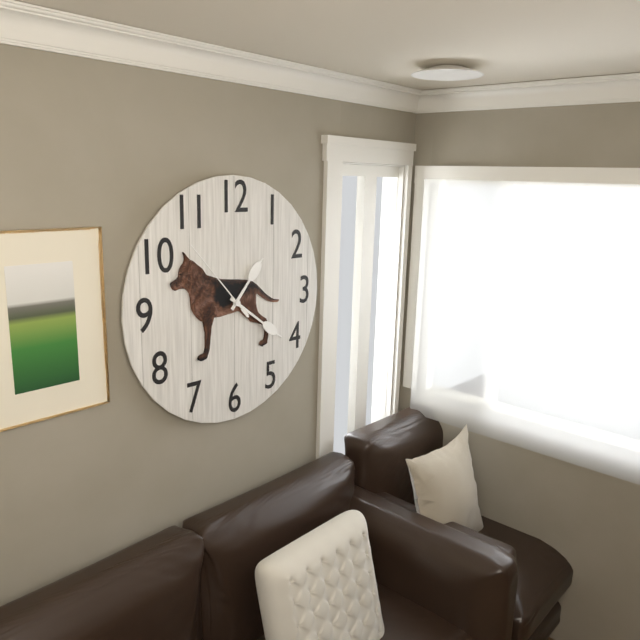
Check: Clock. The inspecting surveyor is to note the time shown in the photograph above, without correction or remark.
1:21:53
